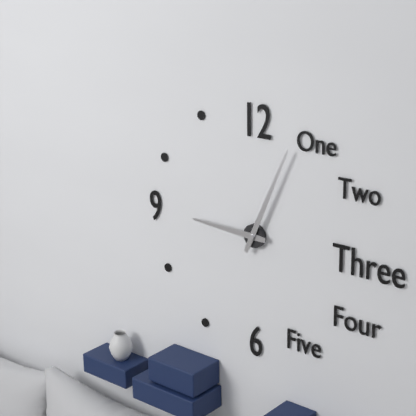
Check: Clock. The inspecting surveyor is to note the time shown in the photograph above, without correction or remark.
9:04
